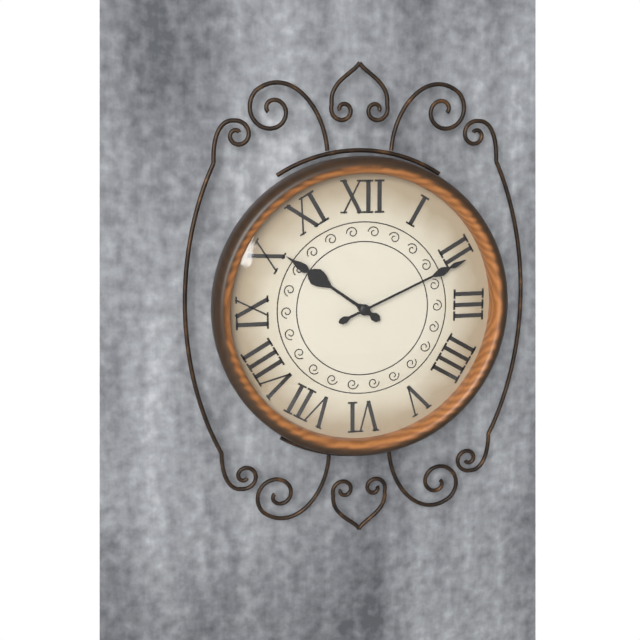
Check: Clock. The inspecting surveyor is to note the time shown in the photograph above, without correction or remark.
10:11
